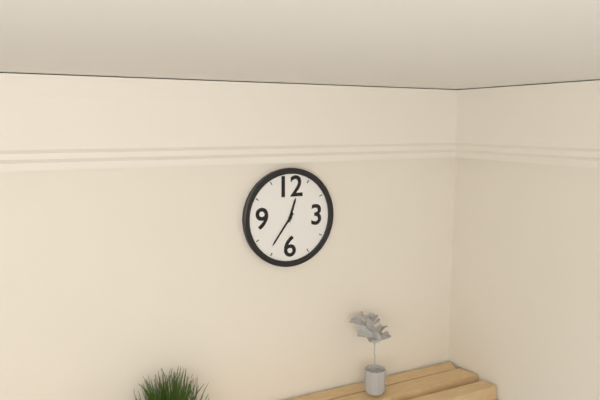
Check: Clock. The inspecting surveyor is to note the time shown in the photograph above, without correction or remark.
12:36
